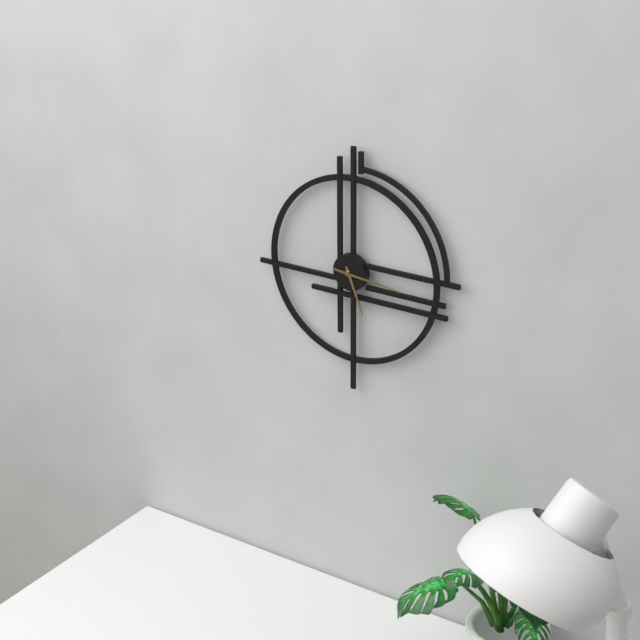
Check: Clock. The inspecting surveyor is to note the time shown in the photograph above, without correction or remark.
5:16
